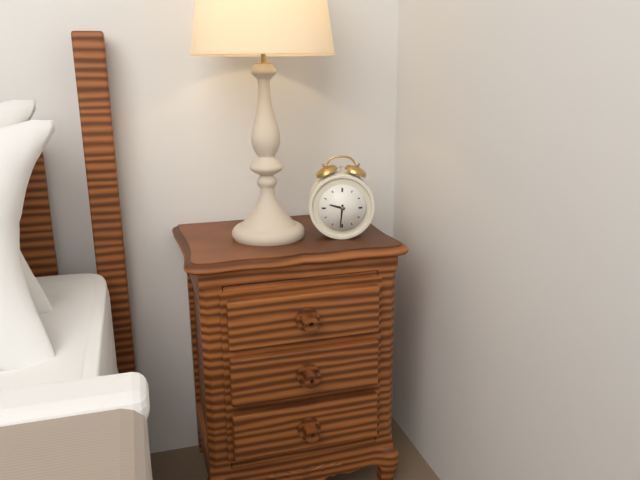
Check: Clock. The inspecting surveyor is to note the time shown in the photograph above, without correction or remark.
9:31
